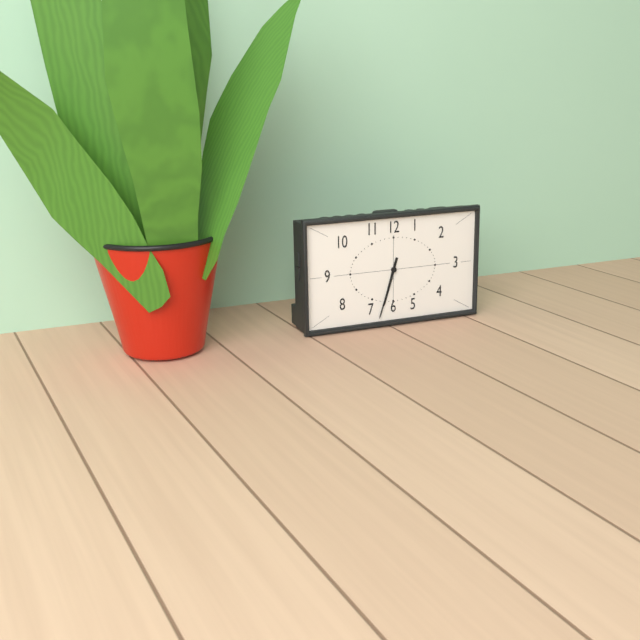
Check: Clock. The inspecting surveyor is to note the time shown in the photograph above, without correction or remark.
6:33
